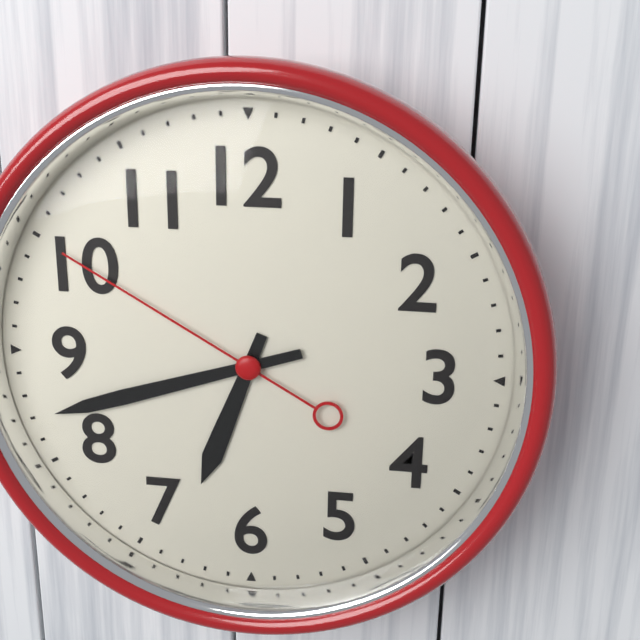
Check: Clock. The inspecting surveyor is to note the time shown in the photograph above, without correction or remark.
6:42:50
